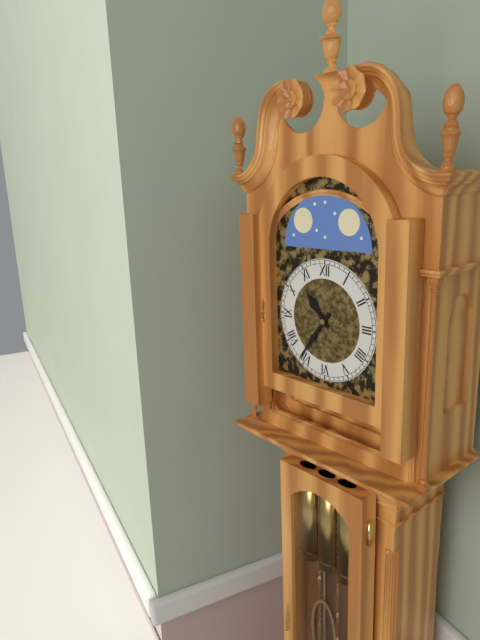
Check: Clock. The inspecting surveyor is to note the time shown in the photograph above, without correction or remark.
10:36
